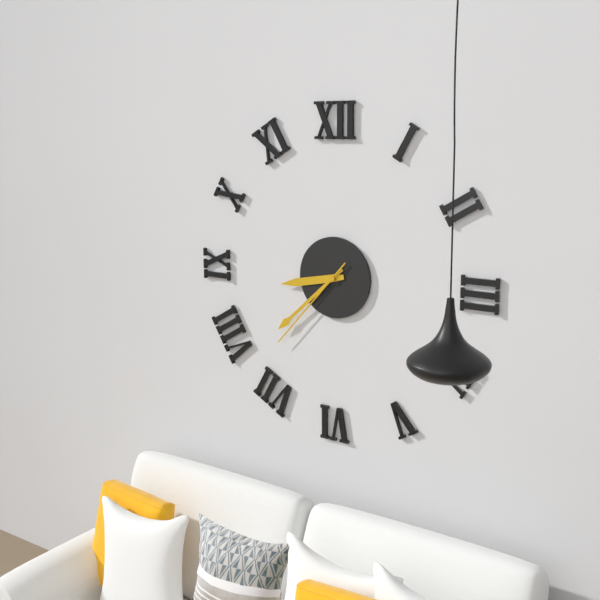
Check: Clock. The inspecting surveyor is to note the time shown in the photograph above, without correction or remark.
8:38:37
